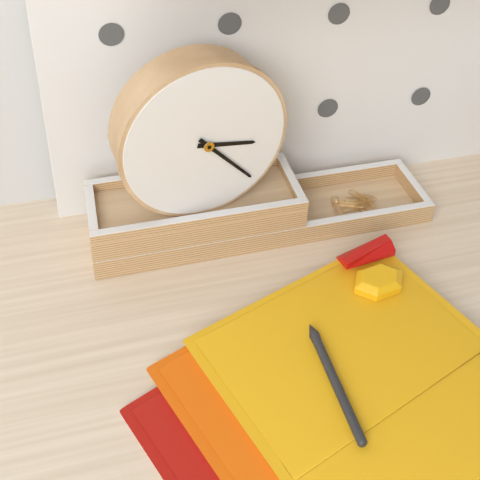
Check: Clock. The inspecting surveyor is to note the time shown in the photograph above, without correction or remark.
3:23
